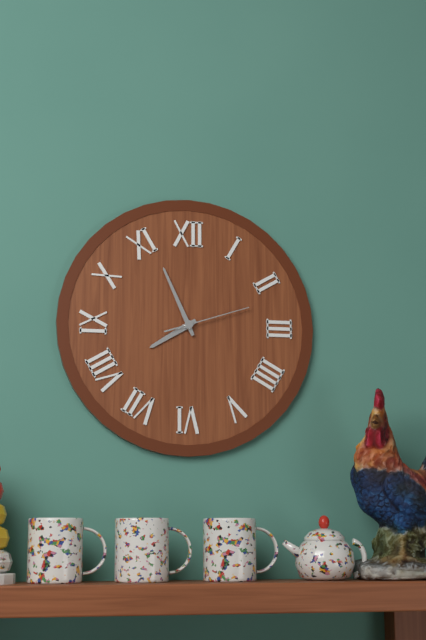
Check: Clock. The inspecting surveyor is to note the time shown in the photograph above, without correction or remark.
7:56:12
